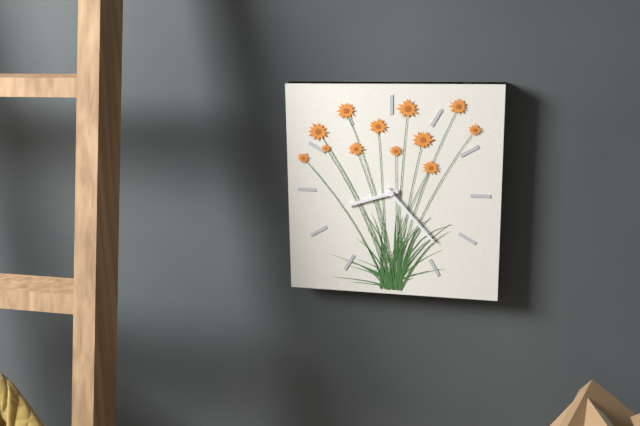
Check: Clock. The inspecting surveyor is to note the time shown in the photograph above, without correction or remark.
8:23
